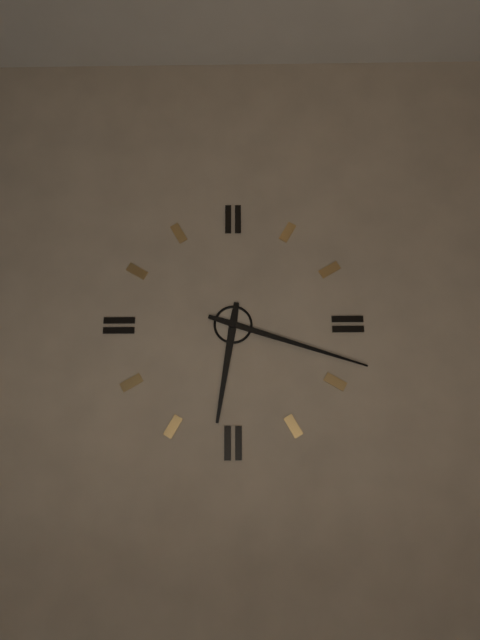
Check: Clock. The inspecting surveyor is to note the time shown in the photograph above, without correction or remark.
6:18
